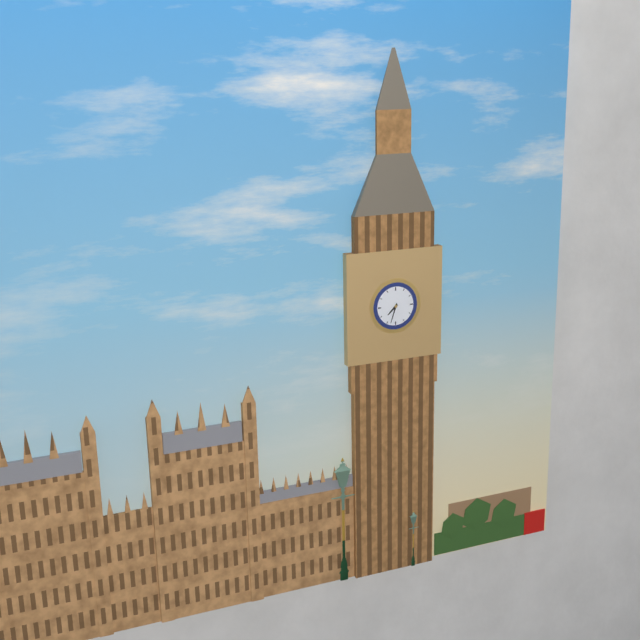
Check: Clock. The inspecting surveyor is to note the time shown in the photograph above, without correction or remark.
7:33
